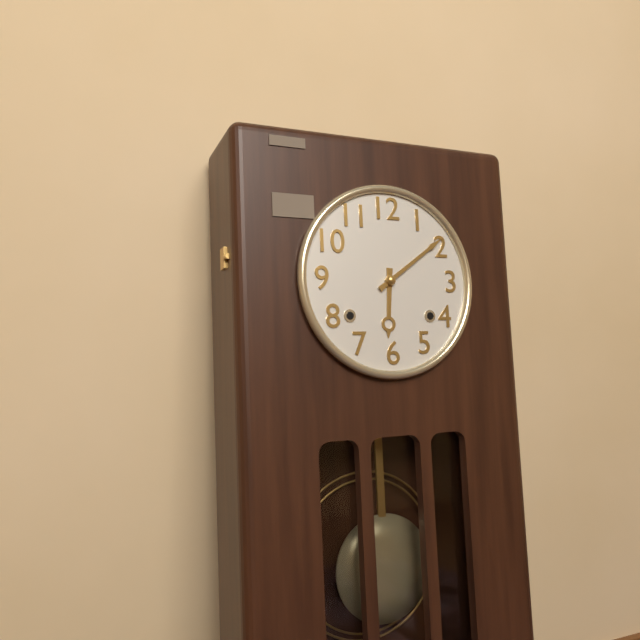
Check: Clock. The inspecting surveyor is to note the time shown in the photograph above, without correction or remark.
6:09
